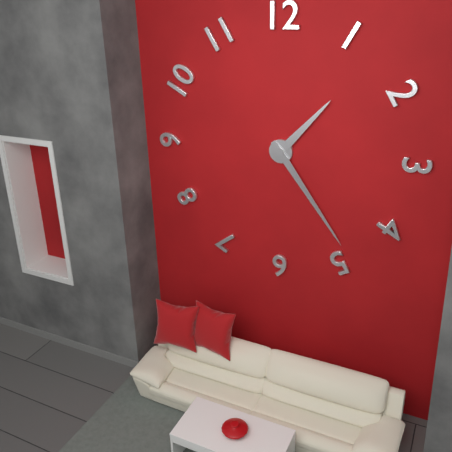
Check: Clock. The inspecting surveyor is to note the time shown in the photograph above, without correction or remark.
1:24
